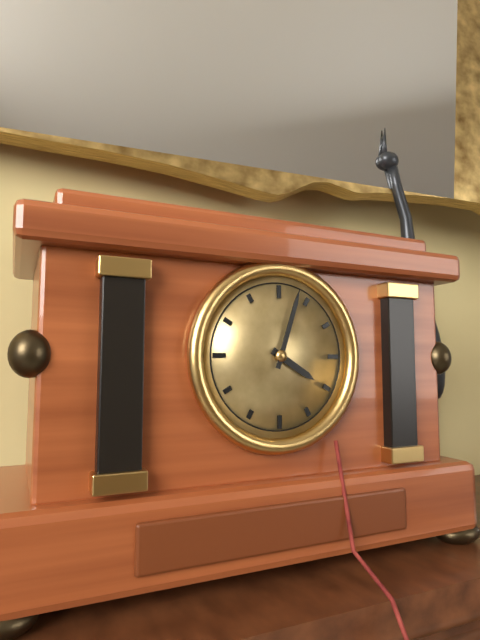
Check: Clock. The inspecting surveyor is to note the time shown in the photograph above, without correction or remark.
4:03
